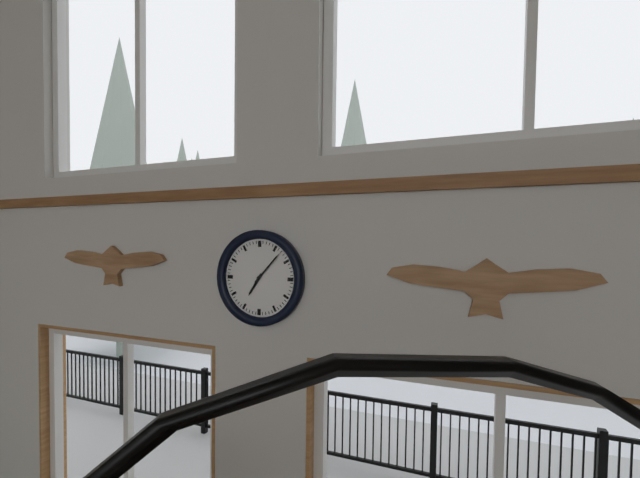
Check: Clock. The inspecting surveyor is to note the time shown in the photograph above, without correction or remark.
7:07
